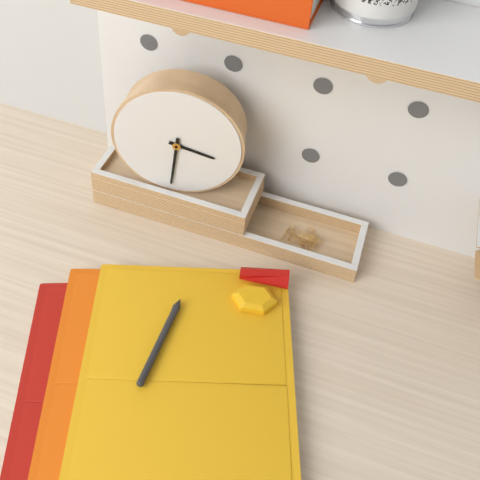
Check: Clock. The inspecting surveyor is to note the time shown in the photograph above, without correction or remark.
3:31
